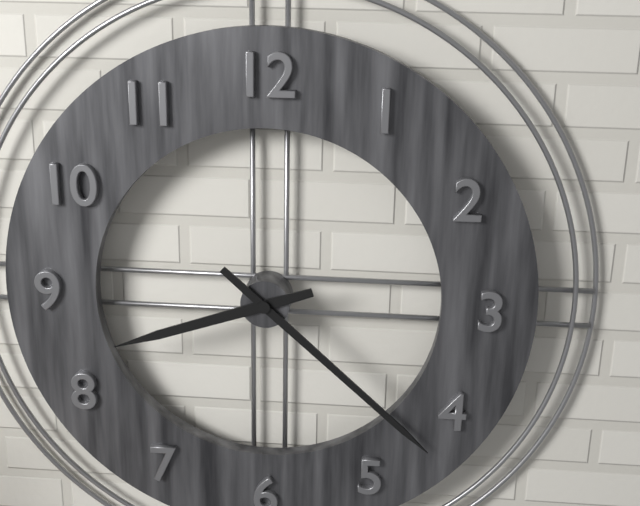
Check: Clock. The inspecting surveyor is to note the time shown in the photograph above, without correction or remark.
8:22
